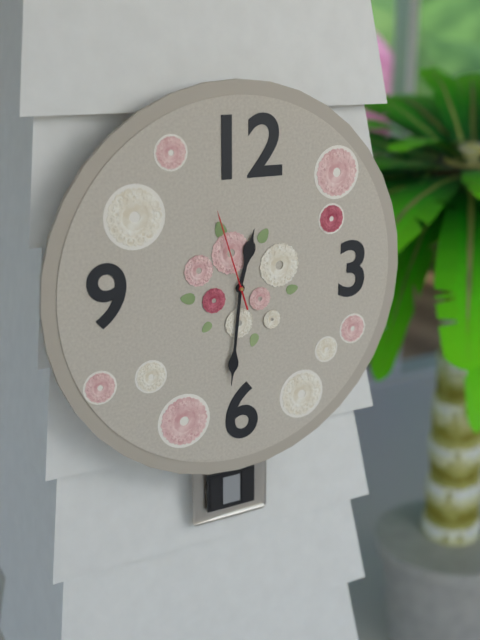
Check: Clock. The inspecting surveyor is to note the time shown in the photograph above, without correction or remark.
12:31:57
